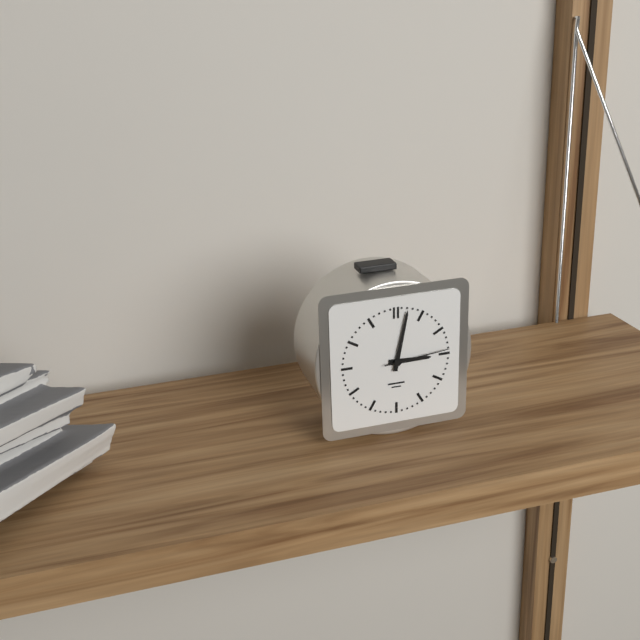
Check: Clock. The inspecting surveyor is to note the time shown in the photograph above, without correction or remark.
3:02:14
